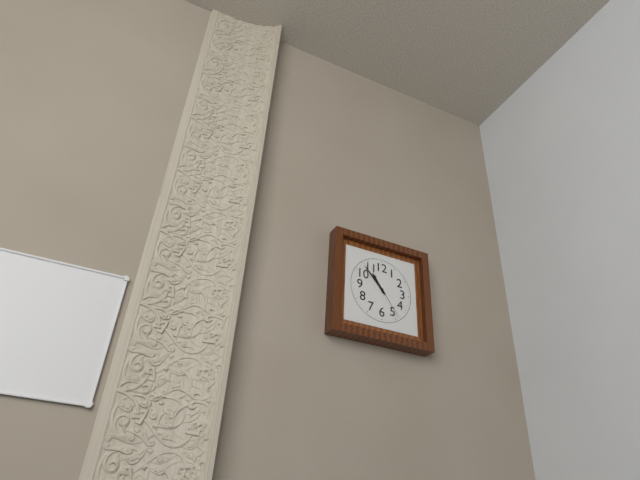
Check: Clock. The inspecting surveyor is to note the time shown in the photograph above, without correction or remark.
10:53
